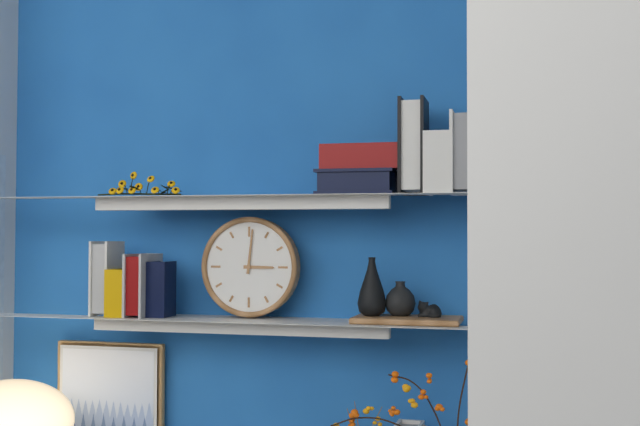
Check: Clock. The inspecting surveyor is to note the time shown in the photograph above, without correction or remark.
3:01
